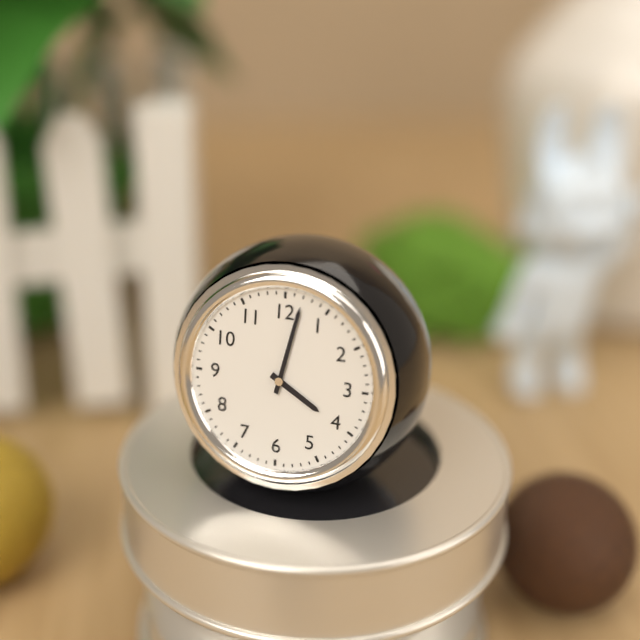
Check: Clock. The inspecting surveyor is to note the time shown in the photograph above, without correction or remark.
4:02
